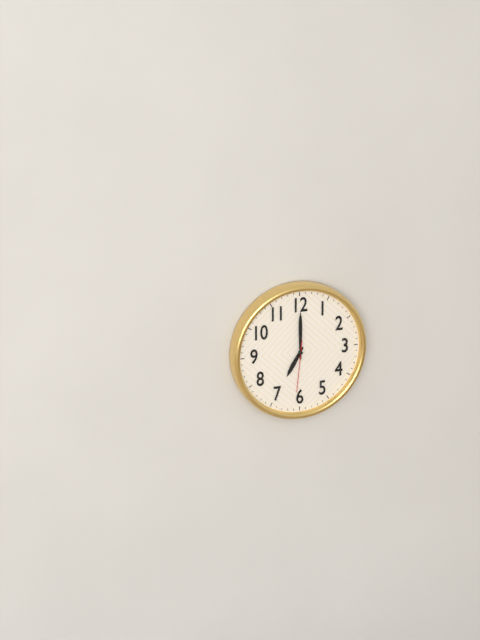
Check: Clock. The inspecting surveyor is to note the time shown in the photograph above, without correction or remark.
7:00:31
